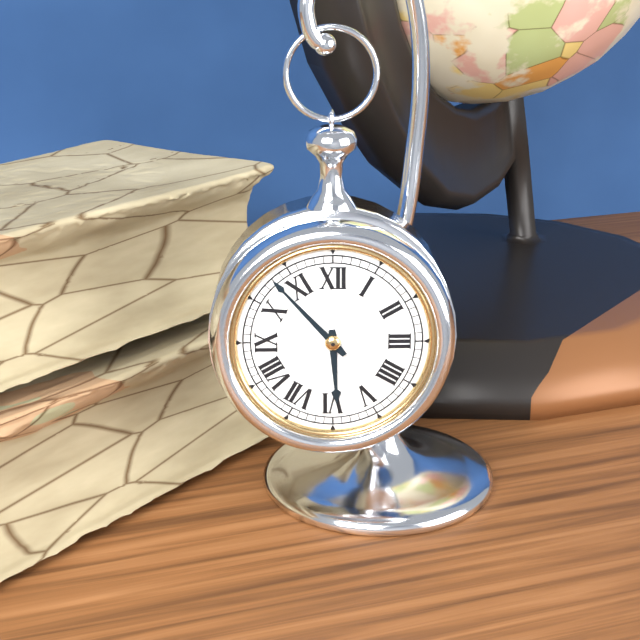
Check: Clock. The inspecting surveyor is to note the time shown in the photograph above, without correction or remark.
5:53
